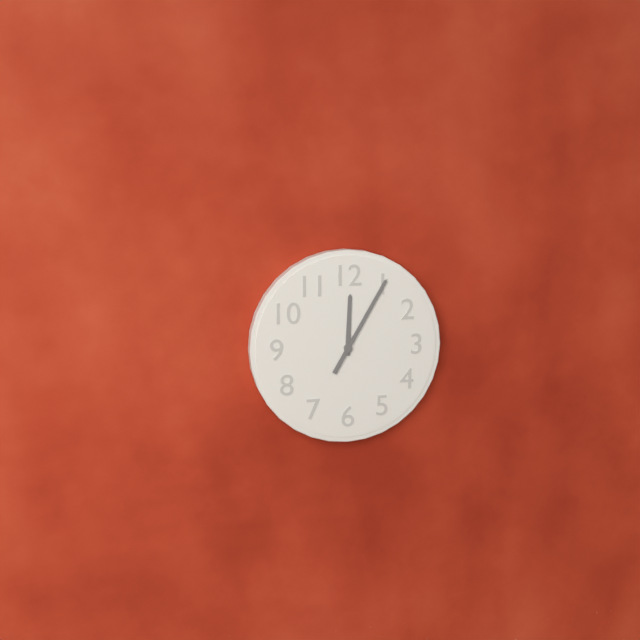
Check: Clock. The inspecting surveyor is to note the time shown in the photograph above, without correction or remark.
12:05
